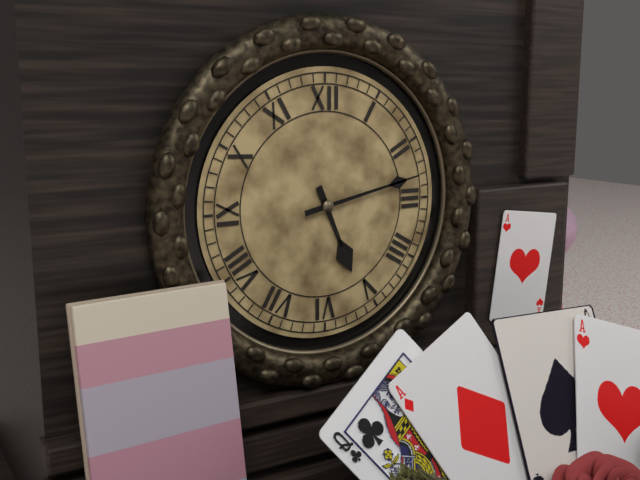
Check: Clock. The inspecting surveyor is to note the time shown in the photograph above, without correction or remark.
5:13
